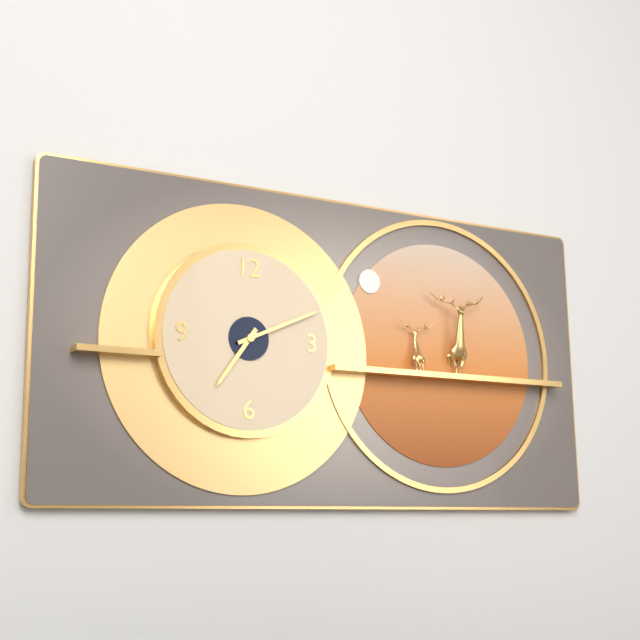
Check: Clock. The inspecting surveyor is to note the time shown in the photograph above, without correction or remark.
7:11
